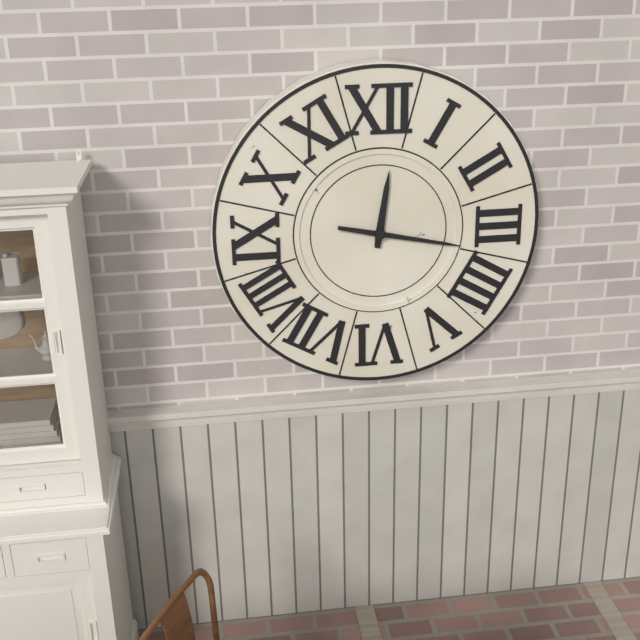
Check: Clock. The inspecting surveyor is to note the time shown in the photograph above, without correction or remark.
12:17
